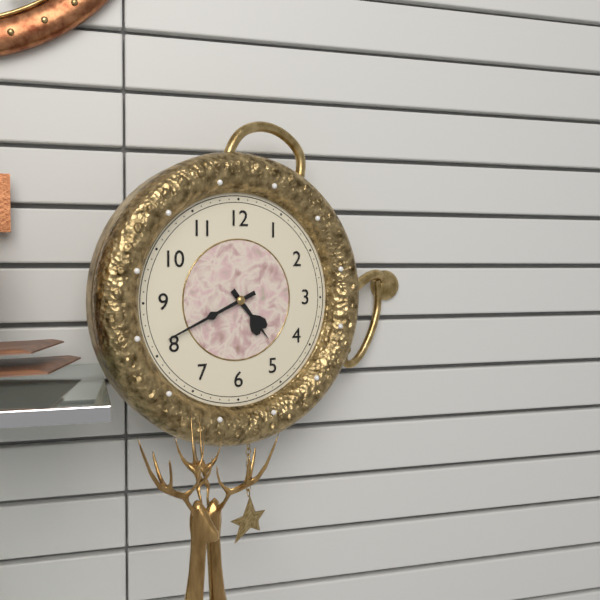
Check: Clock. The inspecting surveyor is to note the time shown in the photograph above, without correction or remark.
4:41
